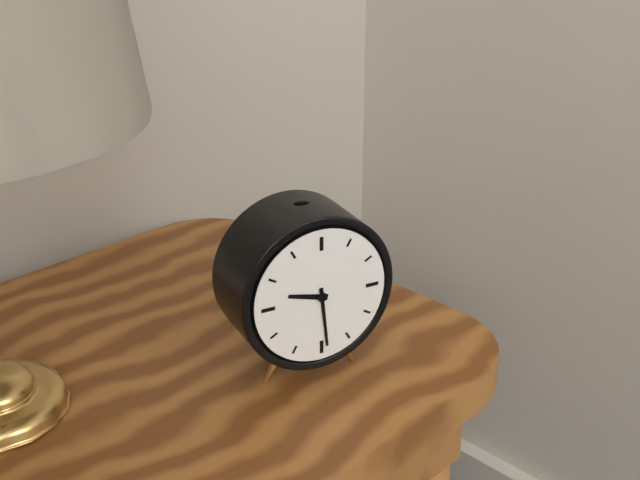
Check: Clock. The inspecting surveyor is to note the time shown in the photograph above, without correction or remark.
9:29
